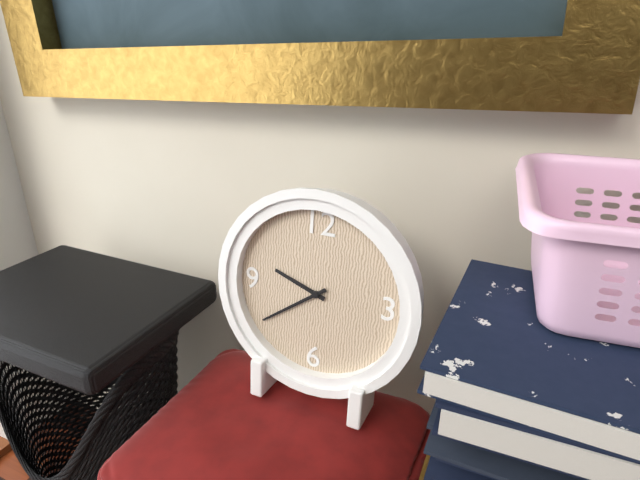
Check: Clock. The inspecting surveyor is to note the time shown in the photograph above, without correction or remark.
9:39
